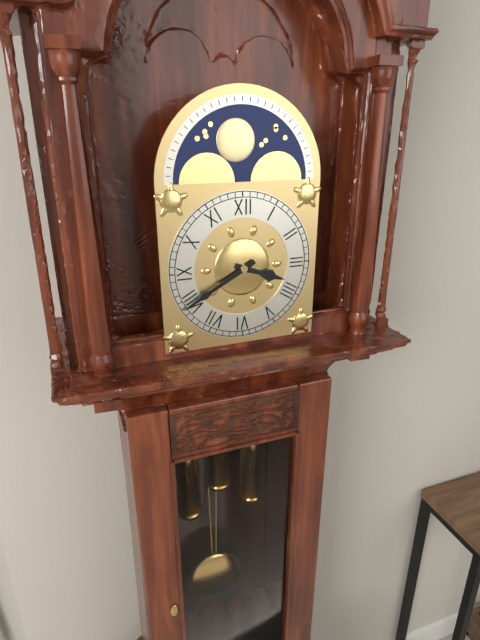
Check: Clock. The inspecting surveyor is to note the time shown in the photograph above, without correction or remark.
3:40
